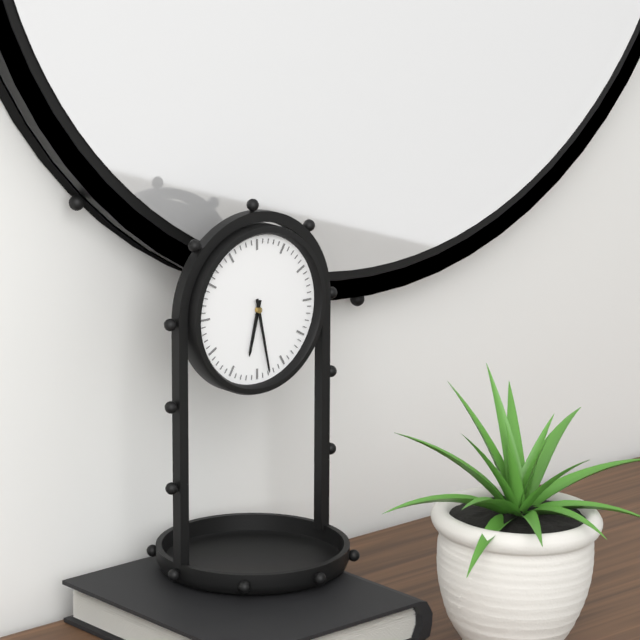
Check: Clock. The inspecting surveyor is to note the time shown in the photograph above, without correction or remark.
6:28
